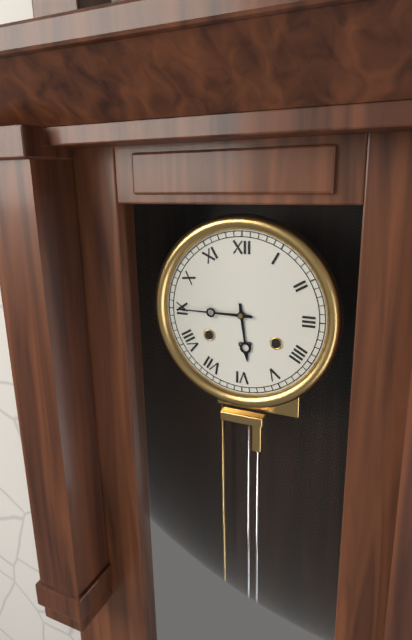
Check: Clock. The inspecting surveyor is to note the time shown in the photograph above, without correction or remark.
5:45
